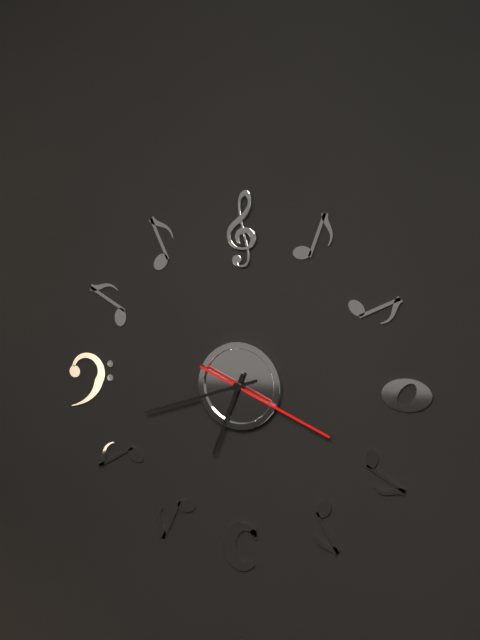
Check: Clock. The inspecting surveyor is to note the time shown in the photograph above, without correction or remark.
6:42:19
